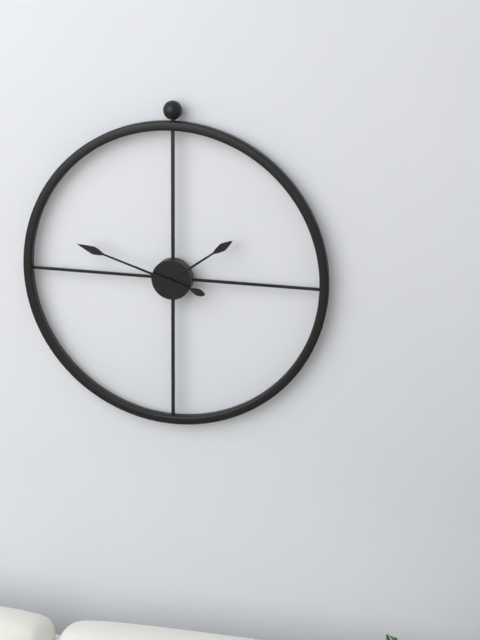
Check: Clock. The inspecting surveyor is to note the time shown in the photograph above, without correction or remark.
1:48
